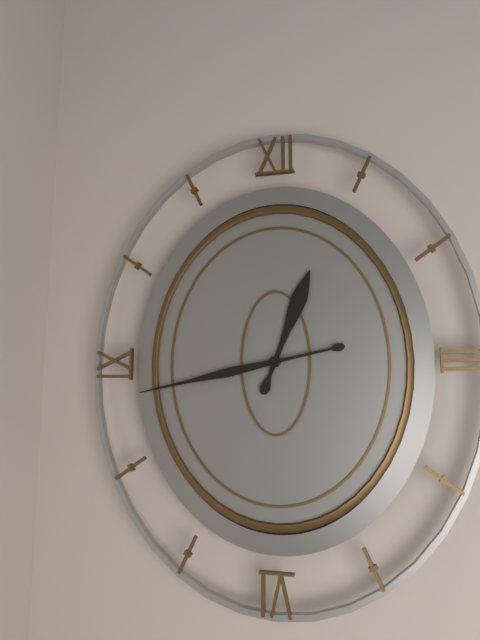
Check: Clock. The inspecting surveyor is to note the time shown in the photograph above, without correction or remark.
12:43
